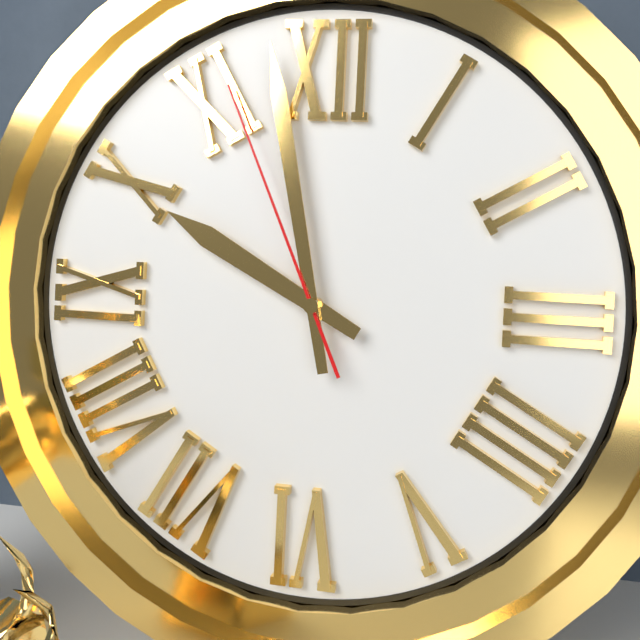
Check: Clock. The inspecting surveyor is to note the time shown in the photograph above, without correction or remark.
9:58:56
